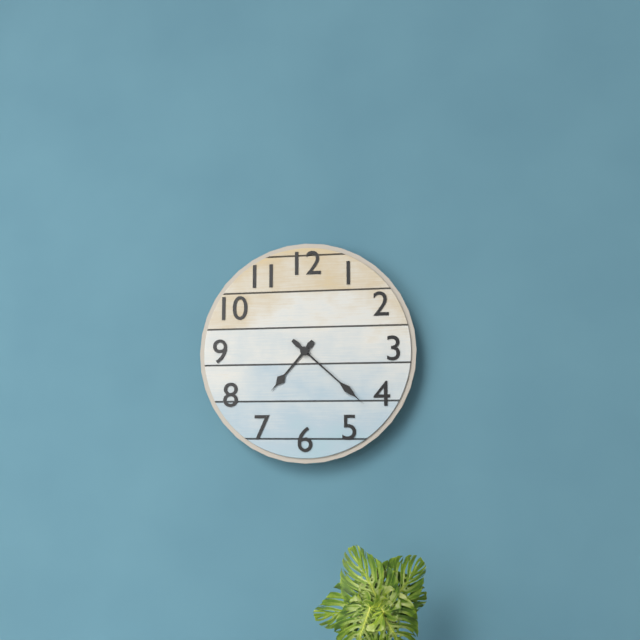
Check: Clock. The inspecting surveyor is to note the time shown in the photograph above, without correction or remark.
7:22
